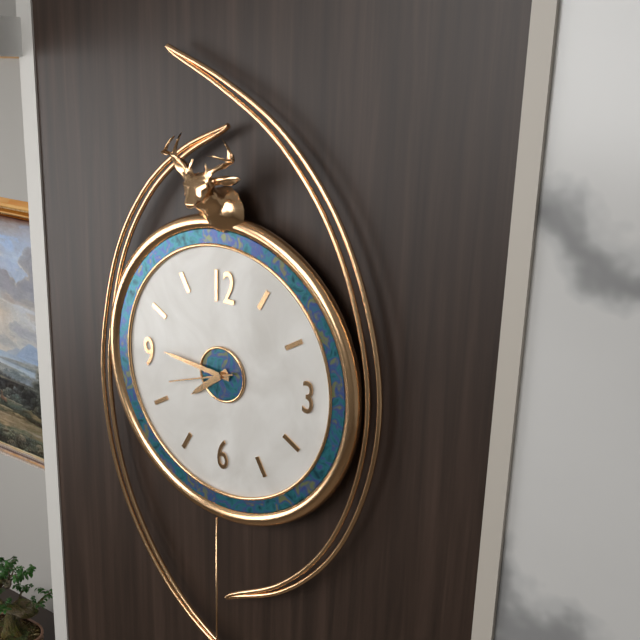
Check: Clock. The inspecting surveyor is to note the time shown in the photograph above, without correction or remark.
7:46:42
